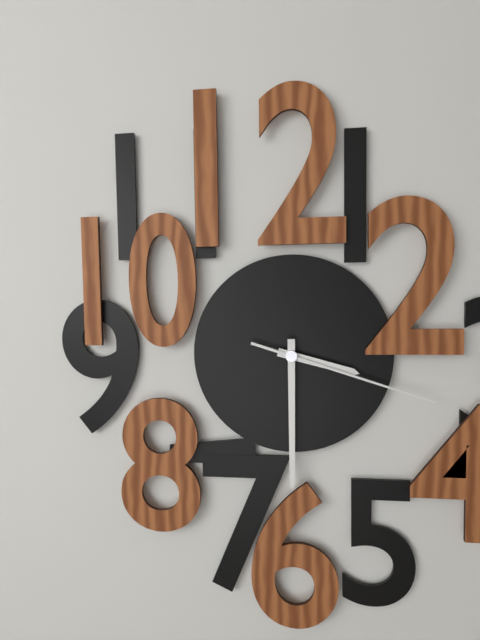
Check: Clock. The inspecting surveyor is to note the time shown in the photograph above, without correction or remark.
3:30:18
